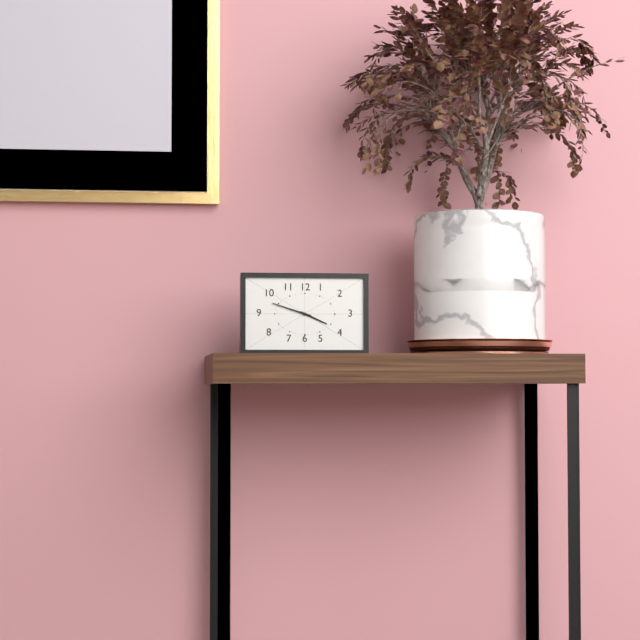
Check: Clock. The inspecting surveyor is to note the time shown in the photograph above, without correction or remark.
3:48
